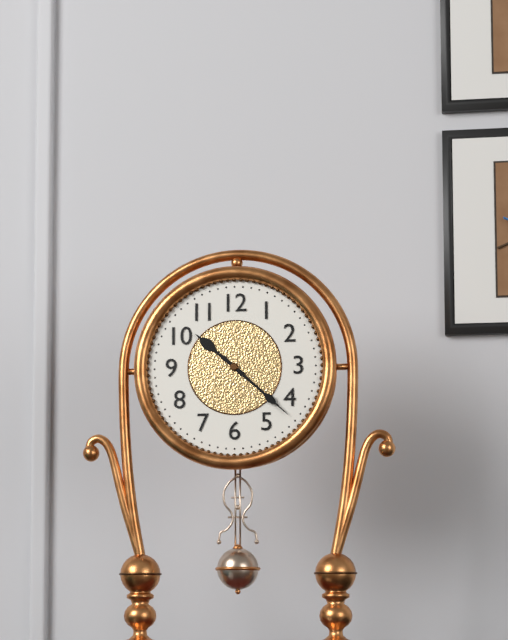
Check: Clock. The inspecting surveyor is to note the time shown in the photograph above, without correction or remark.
10:22
